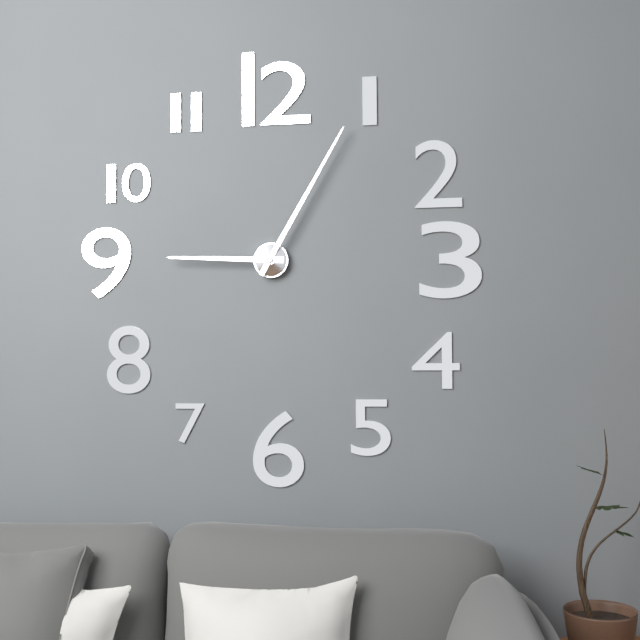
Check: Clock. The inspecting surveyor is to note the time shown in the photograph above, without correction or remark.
9:05
